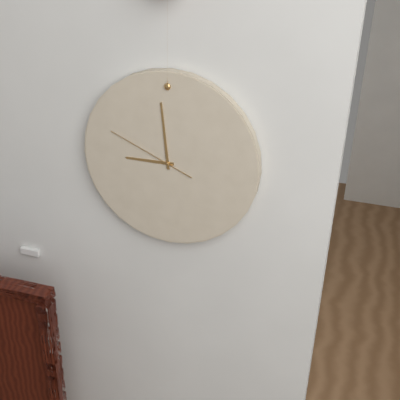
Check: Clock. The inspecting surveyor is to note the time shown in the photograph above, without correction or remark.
8:59:49
